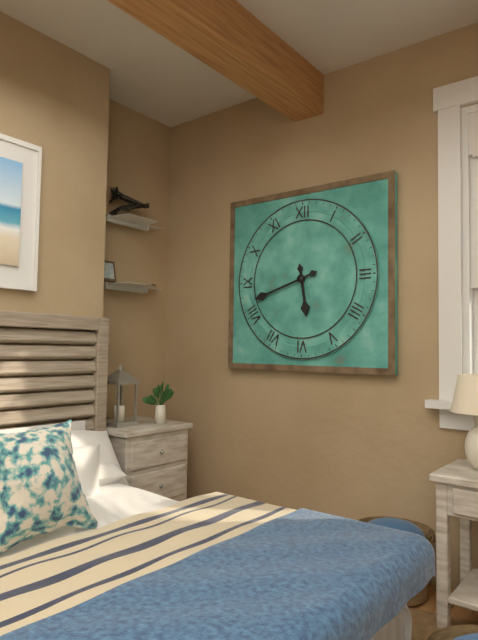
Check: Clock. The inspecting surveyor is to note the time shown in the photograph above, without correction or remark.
5:42
